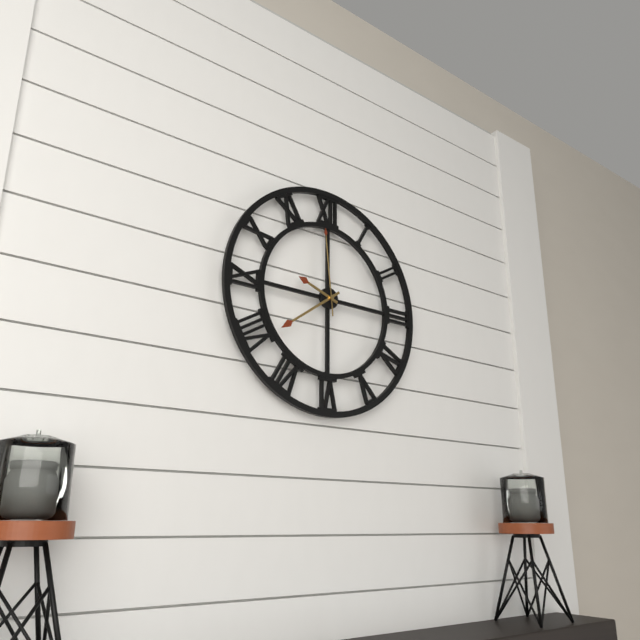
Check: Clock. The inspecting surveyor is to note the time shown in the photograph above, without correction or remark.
9:39:59
